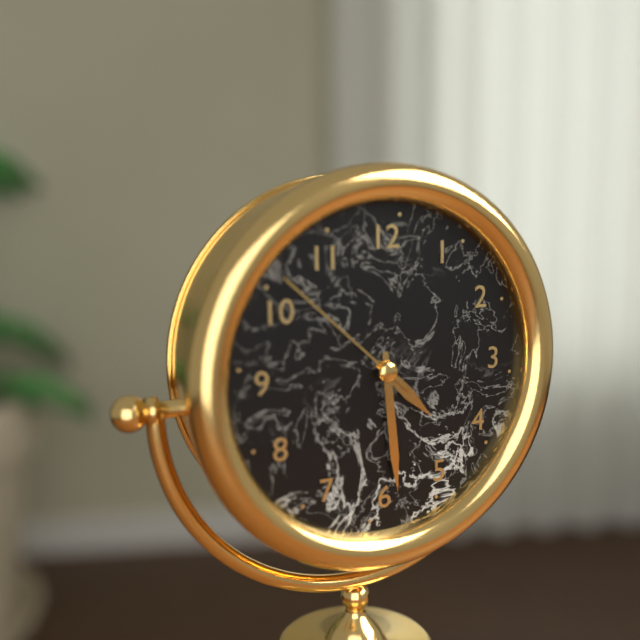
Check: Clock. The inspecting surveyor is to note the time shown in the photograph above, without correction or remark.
4:29:52
